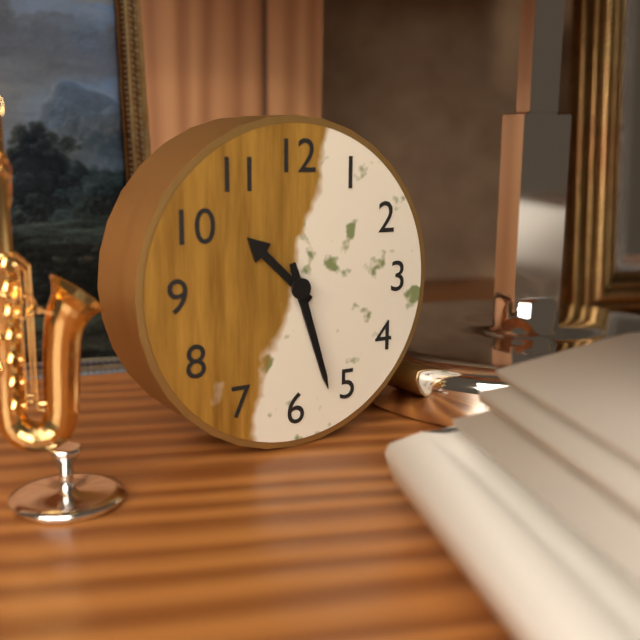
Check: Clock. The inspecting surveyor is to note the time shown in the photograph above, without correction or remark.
10:27
